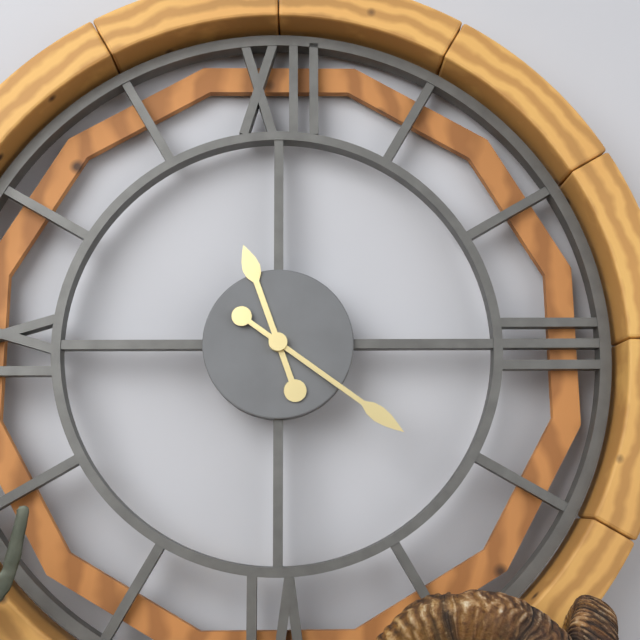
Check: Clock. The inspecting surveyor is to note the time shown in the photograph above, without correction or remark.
11:21
